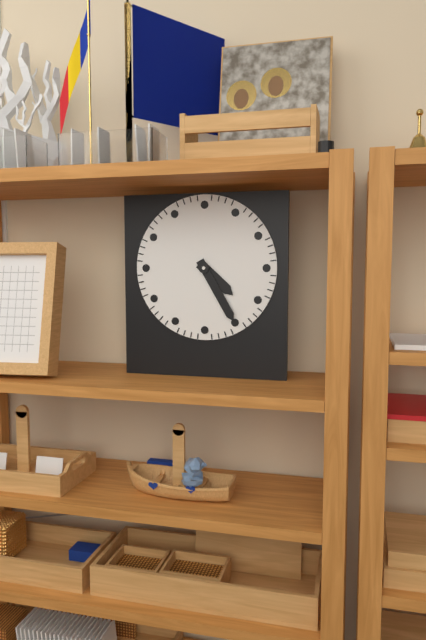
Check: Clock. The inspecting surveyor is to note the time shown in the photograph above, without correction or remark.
4:25
